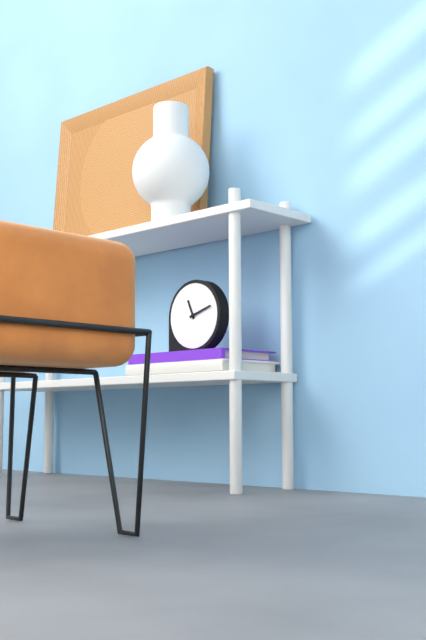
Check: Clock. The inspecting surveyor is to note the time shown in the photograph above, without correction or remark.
11:12
